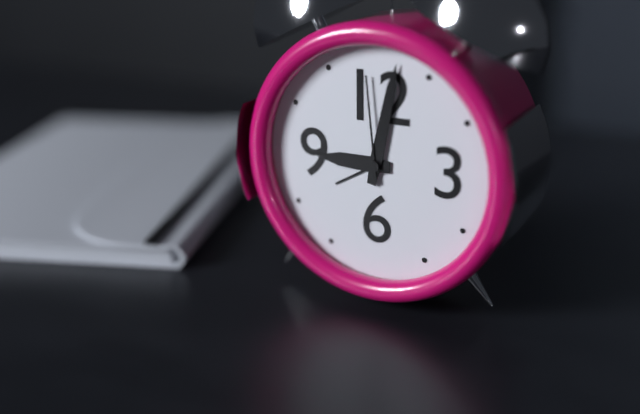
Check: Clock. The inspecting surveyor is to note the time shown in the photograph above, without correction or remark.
9:02:59
